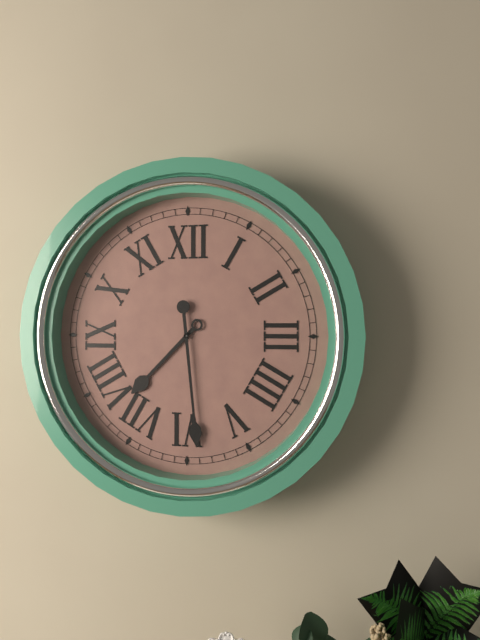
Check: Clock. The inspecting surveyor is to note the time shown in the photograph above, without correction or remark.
7:29
